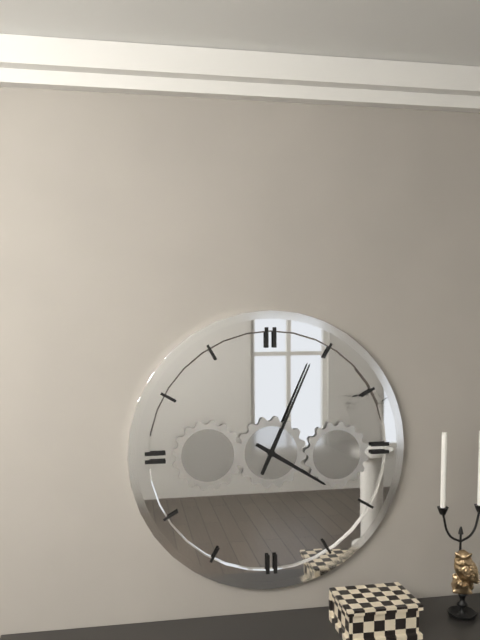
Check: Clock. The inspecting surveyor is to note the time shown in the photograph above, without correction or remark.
4:04
